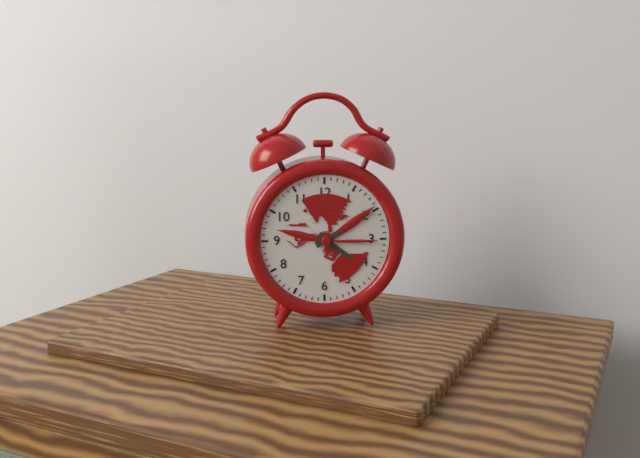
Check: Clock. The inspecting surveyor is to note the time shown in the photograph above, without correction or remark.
4:10
